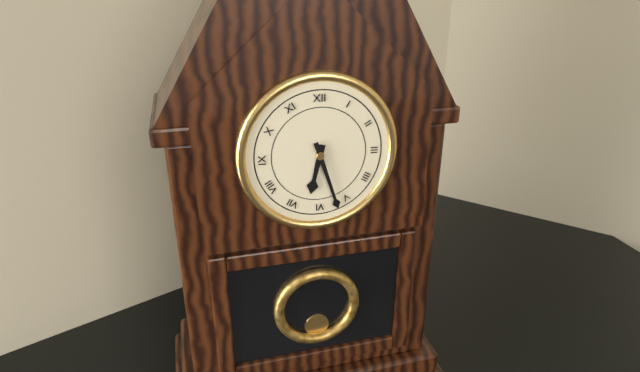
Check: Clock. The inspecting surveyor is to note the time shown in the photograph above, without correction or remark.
6:27
